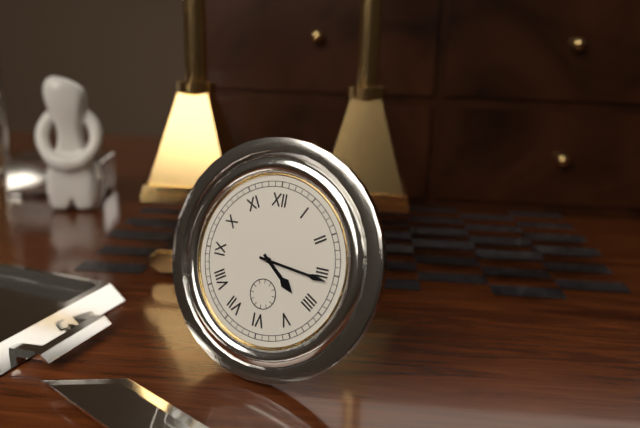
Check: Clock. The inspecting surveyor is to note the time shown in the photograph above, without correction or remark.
4:16
